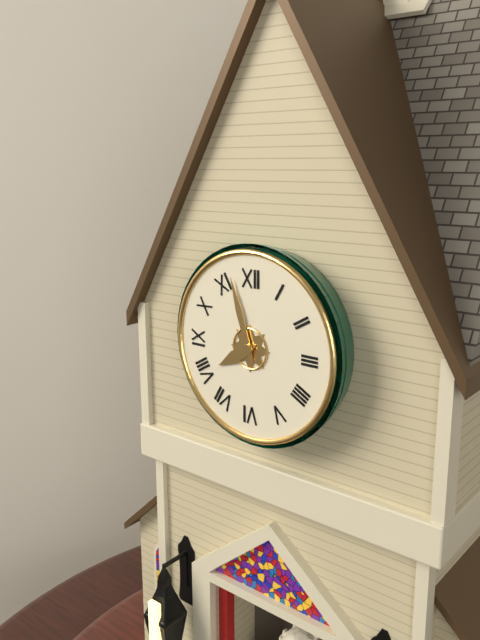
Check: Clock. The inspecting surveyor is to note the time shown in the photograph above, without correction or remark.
7:57
